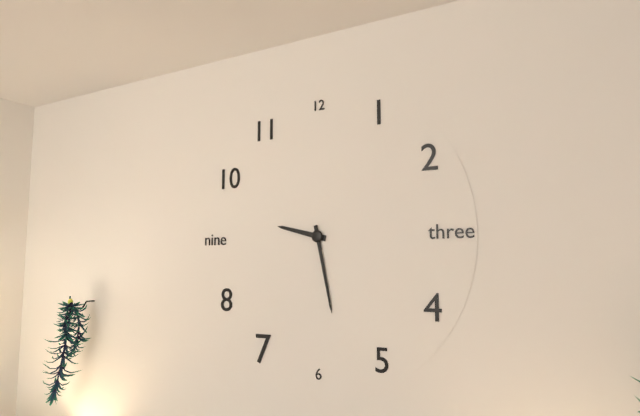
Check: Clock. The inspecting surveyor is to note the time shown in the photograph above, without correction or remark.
9:28
